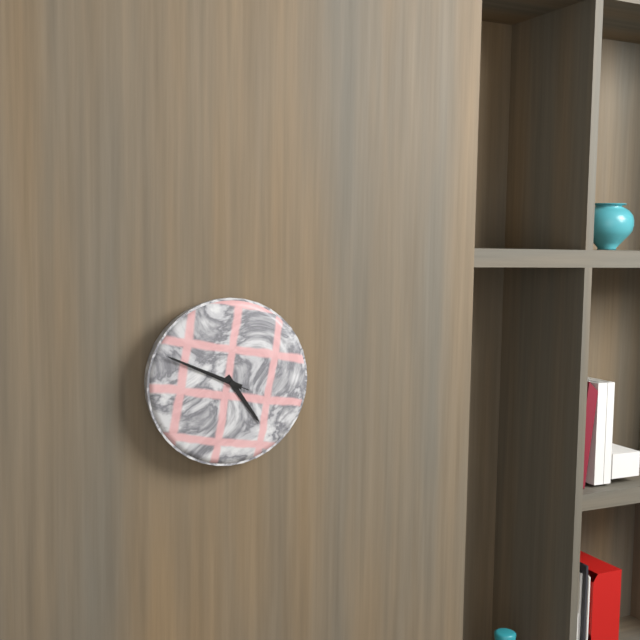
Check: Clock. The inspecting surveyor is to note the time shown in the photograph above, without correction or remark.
4:49:49
